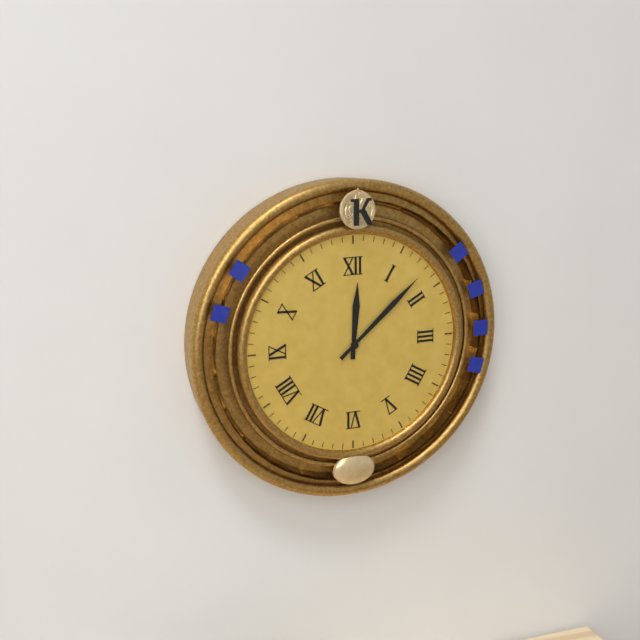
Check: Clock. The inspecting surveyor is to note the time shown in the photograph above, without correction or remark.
12:08
